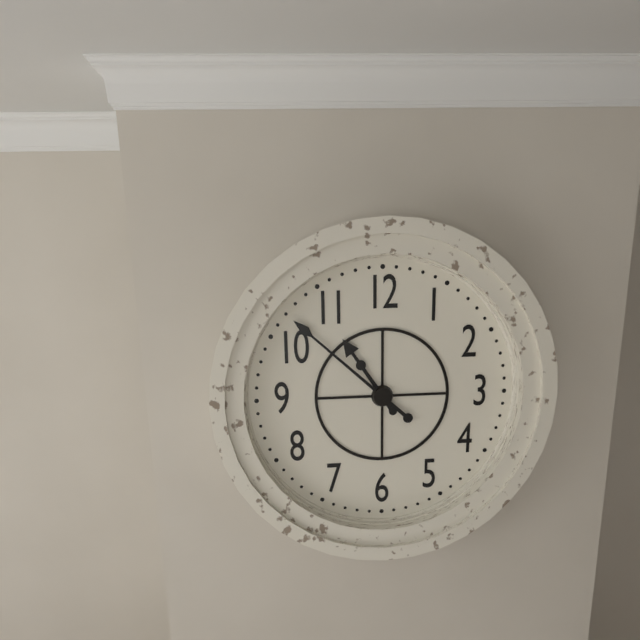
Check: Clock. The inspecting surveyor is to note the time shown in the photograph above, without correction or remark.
10:52
